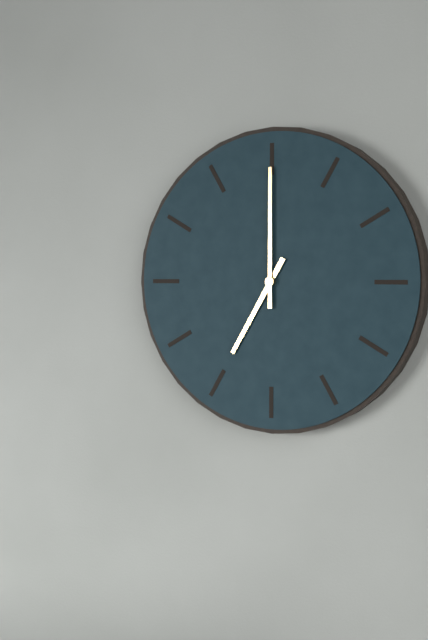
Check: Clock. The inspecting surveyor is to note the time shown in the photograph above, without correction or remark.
7:00
